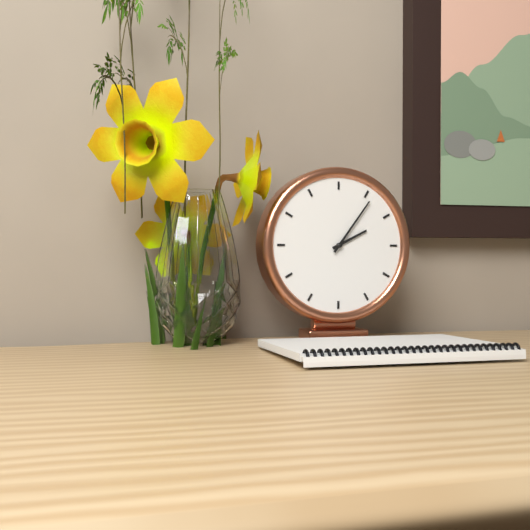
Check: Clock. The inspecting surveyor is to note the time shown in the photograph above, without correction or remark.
2:06
